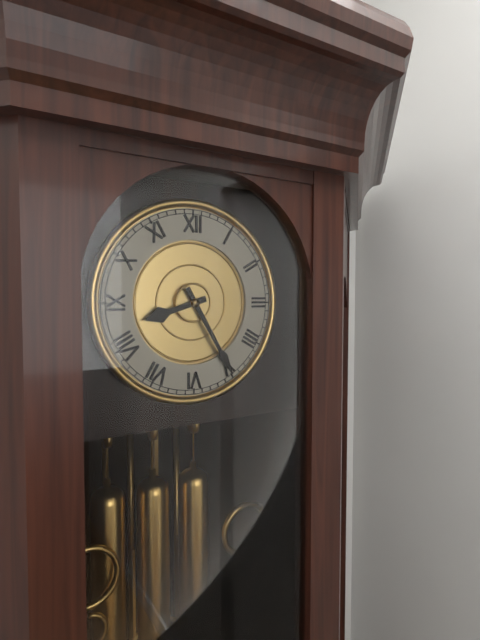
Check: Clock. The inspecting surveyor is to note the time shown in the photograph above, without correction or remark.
8:25
